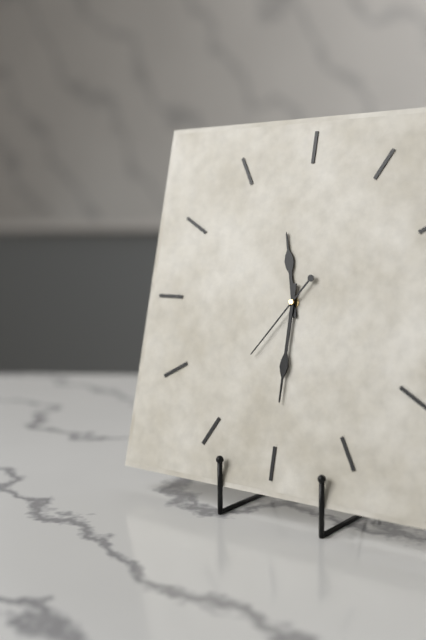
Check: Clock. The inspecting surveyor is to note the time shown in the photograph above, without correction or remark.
11:30:36
